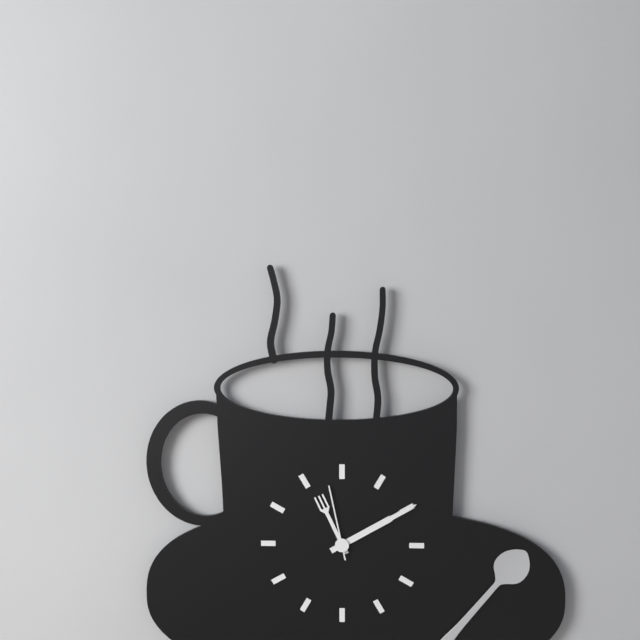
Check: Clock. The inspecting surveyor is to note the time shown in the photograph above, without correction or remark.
11:10:58
